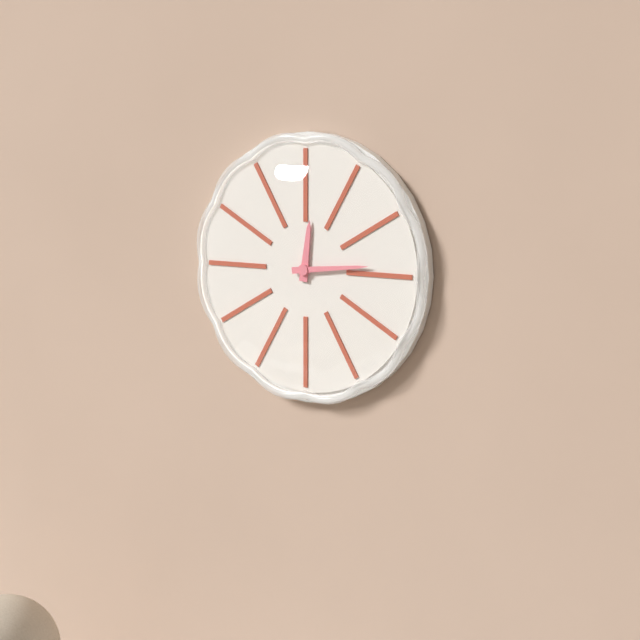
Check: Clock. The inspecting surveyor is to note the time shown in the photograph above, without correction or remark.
12:14
